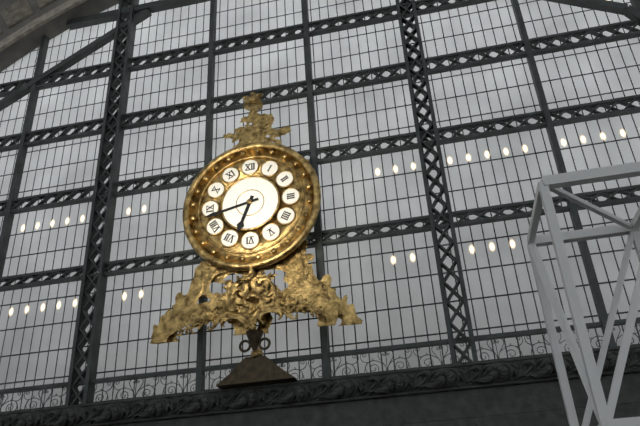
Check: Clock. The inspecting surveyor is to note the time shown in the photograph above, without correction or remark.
6:43
